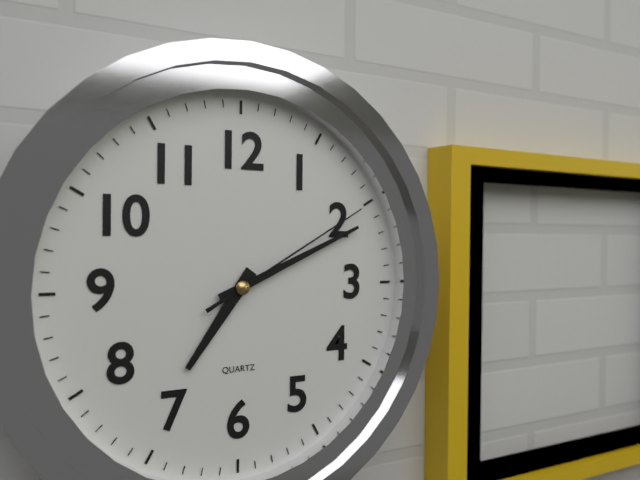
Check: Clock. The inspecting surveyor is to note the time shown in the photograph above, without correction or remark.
7:11:10
